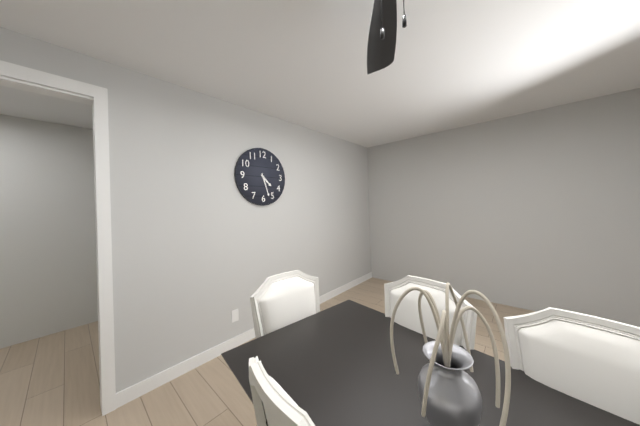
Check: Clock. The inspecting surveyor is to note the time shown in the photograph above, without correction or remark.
4:27
